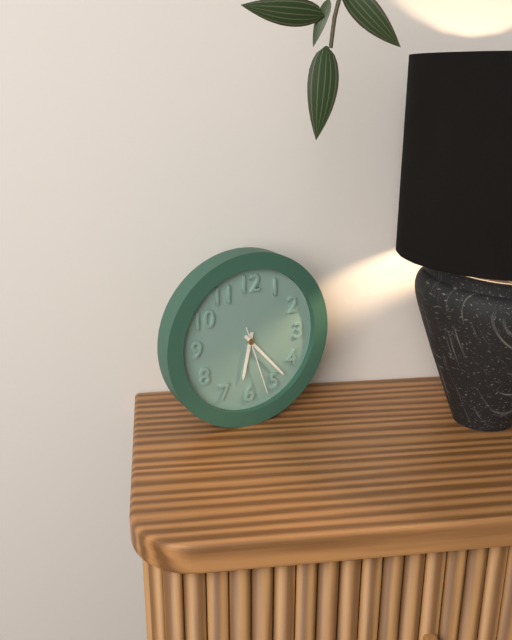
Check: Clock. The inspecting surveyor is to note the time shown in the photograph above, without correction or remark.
6:23:27
